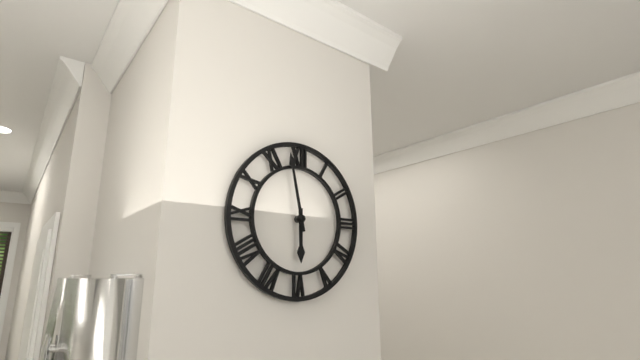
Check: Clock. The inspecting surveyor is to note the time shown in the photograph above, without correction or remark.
5:58
